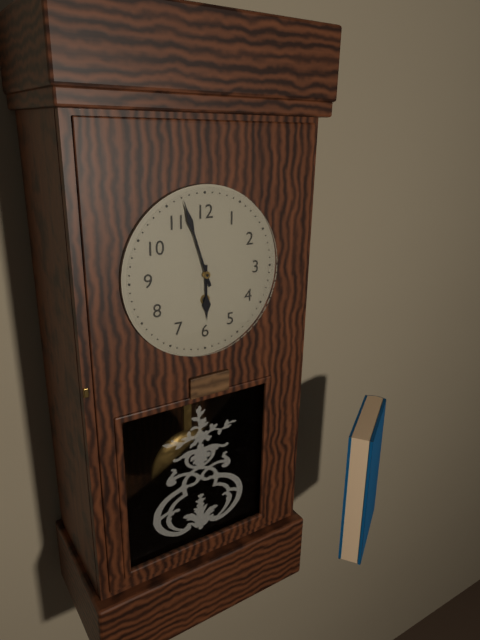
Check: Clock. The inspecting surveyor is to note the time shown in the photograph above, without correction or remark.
5:57
